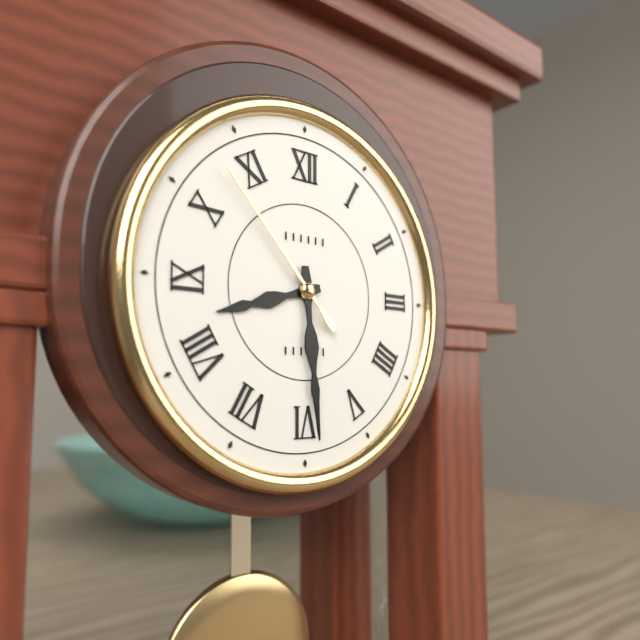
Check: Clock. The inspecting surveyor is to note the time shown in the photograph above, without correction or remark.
8:29:53
